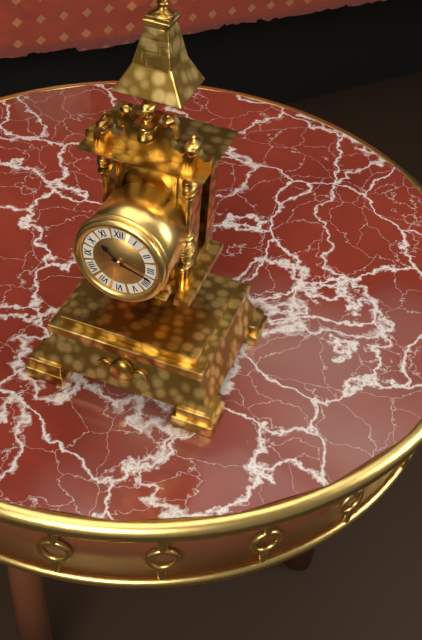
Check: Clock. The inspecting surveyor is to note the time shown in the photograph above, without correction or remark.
10:18
